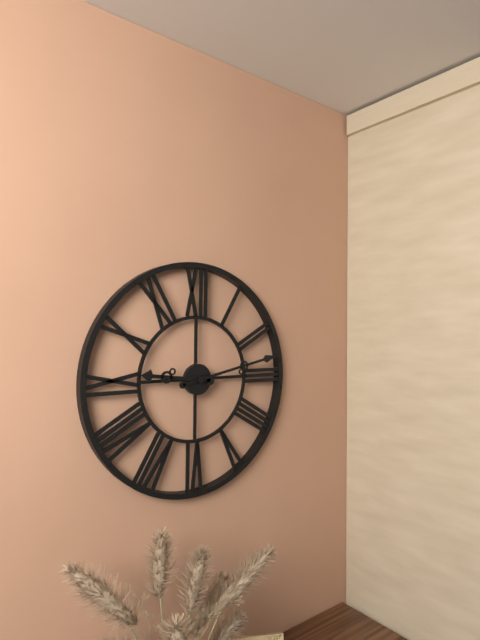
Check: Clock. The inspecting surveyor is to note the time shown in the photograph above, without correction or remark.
9:13
